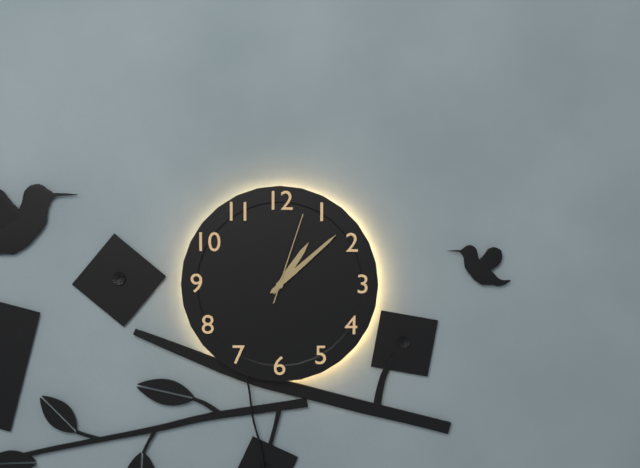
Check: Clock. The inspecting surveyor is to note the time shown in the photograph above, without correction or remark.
1:08:03
